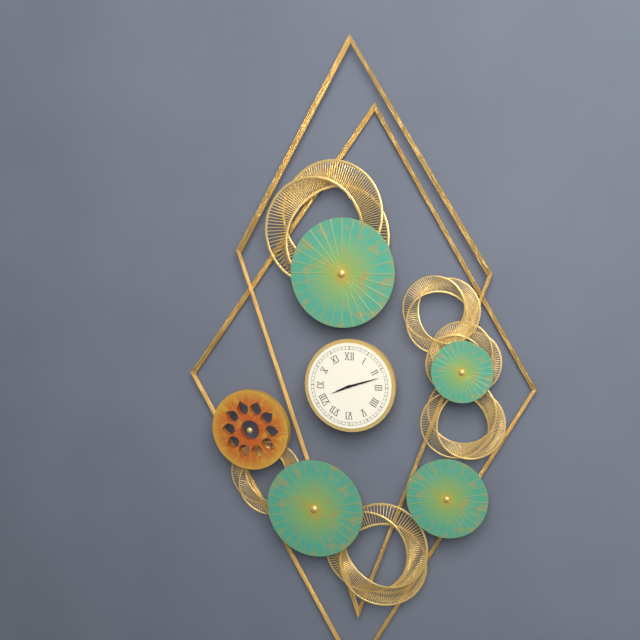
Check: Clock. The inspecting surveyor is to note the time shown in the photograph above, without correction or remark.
8:12
